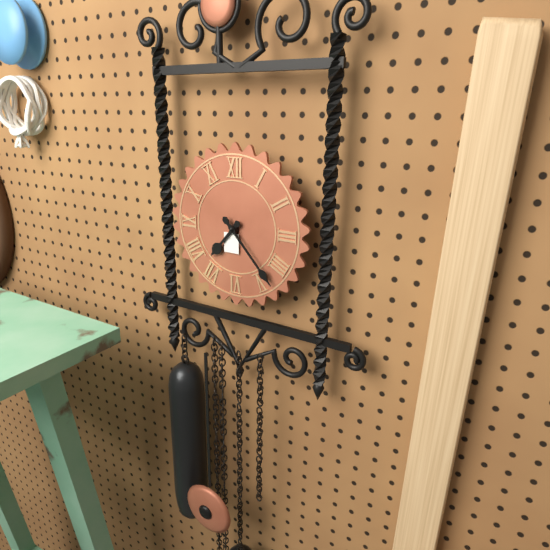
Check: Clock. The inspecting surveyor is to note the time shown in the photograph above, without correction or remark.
7:23
